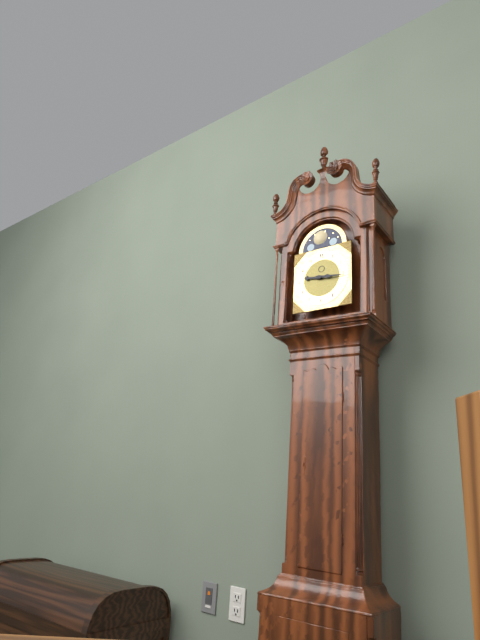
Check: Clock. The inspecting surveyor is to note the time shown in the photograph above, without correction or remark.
9:16
